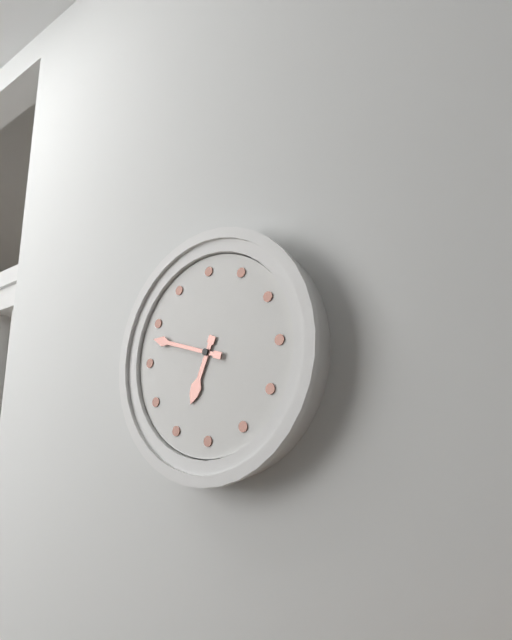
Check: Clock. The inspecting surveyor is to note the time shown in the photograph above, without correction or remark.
6:48
